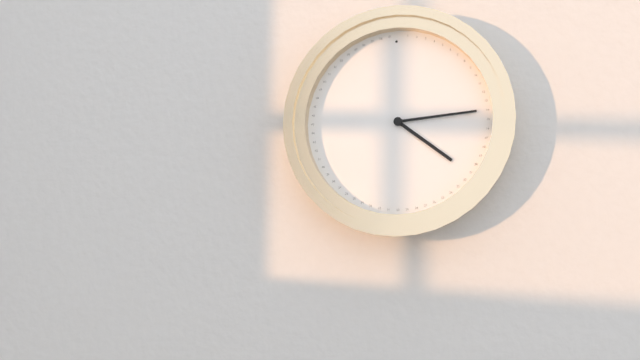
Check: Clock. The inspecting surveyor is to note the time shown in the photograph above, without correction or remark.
4:14
